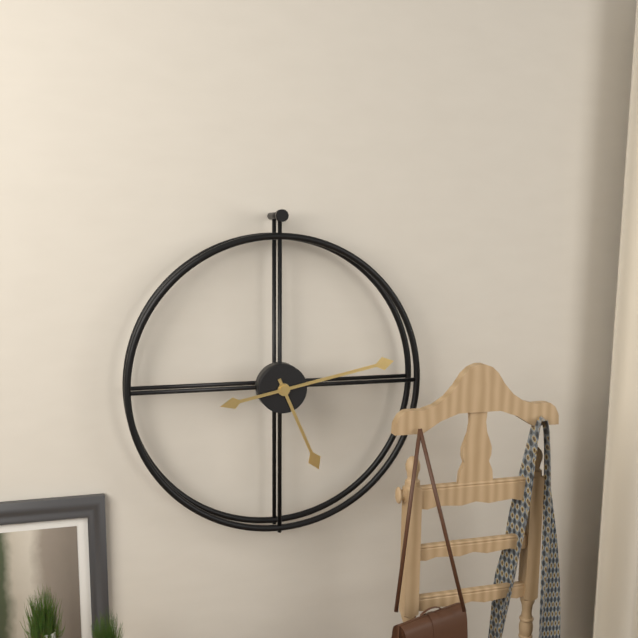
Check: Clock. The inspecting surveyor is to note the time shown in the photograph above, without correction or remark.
5:13
